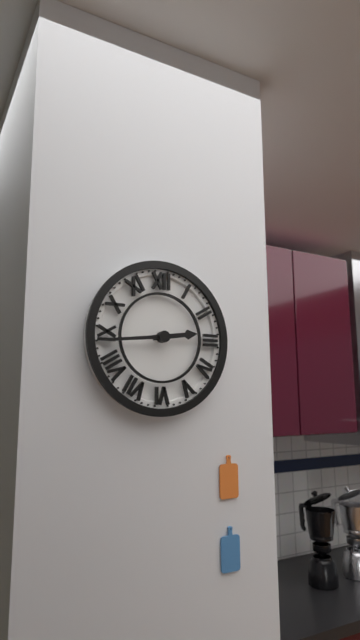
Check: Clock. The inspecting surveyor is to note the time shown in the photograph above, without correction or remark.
2:44
